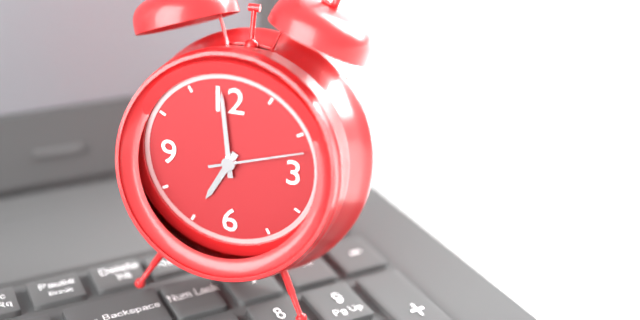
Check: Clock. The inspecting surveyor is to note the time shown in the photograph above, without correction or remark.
6:59:12
